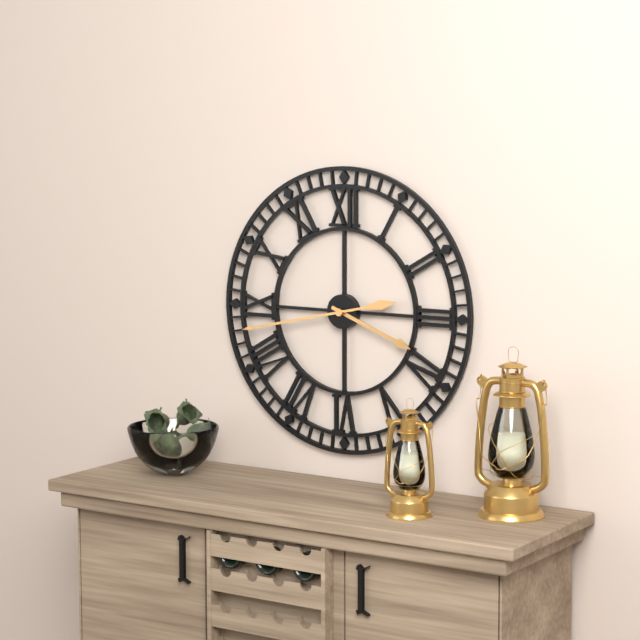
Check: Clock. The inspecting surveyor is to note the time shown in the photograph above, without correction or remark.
3:43
